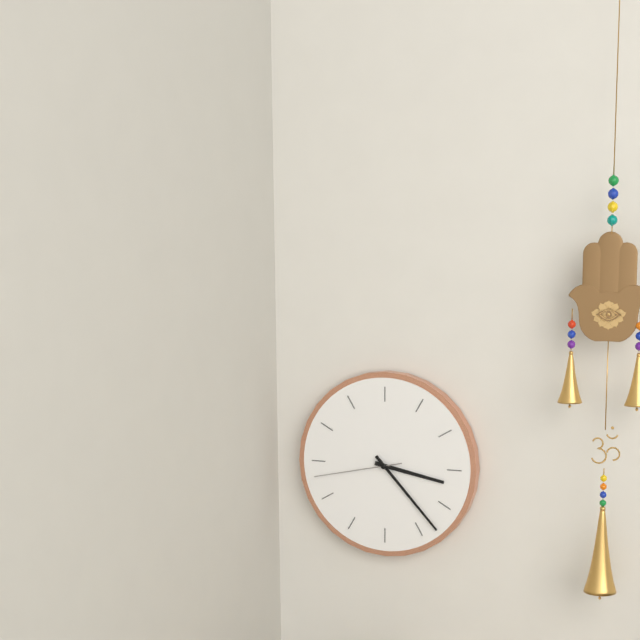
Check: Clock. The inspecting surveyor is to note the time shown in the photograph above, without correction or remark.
3:23:43
